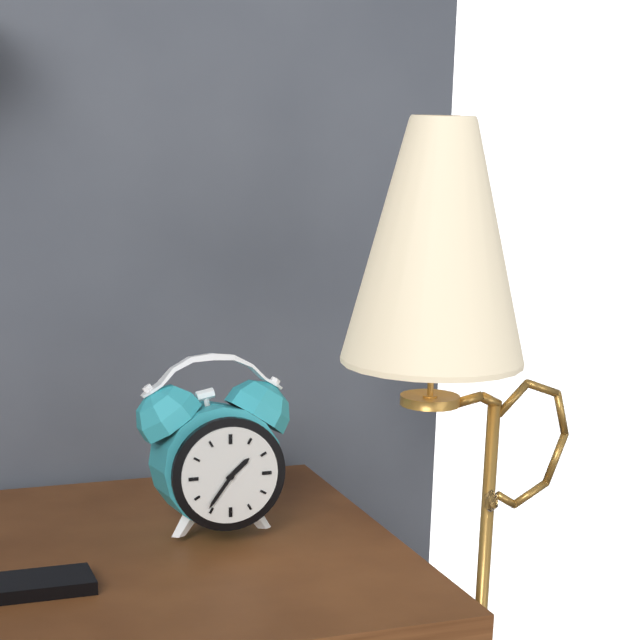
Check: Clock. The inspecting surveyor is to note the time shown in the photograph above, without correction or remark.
1:36
